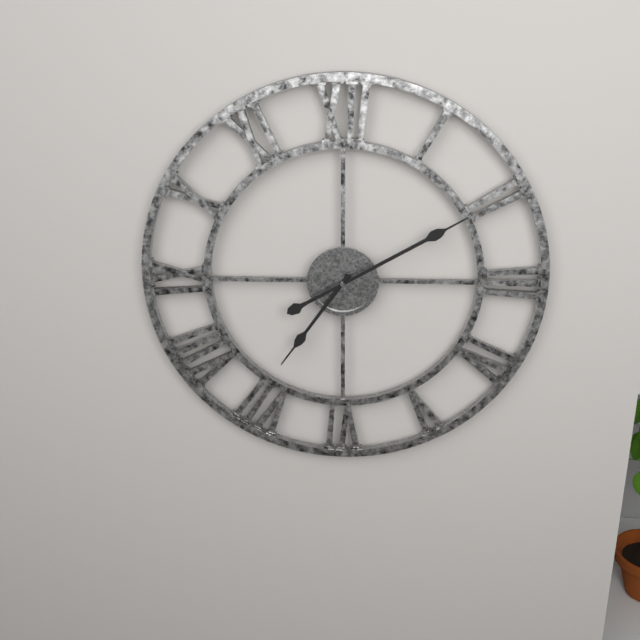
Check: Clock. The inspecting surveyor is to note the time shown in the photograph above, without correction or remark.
7:10
